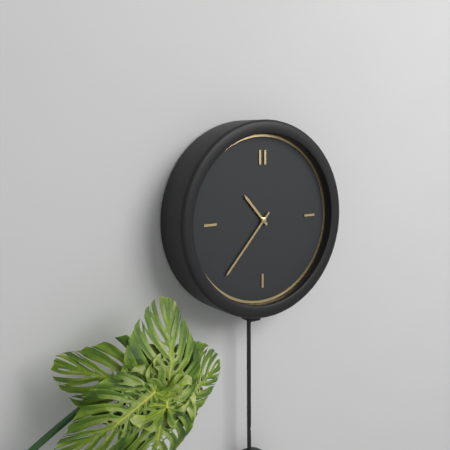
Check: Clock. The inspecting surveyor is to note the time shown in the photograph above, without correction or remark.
10:37
